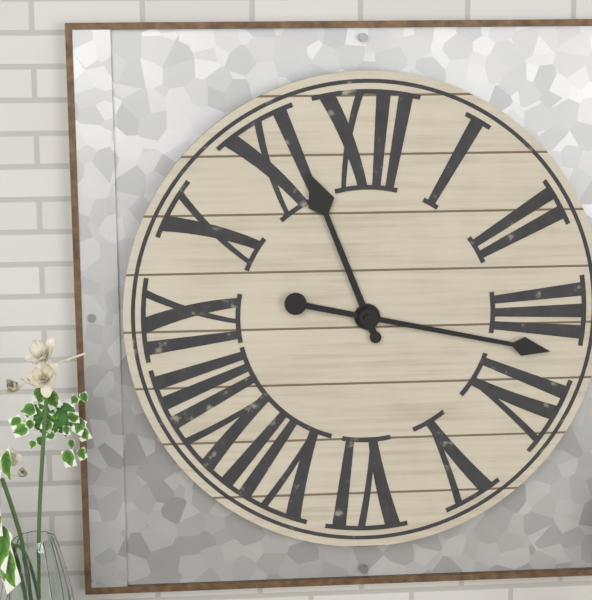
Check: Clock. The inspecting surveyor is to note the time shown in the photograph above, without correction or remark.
11:17
